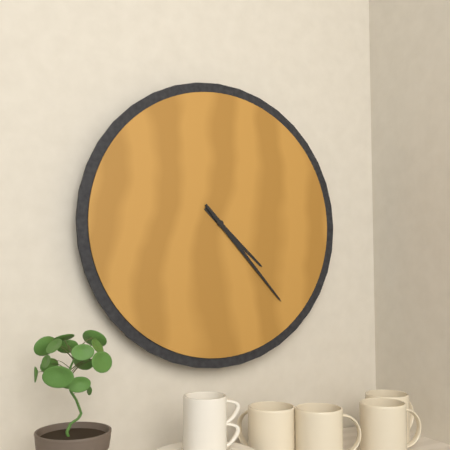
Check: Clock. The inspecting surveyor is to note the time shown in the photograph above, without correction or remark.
4:23
